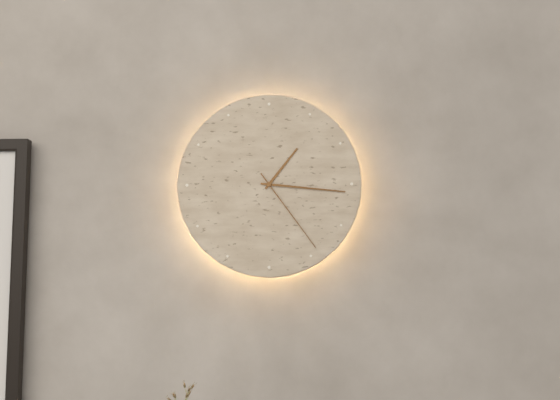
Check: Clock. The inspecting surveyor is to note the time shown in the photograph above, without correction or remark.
1:16:24
